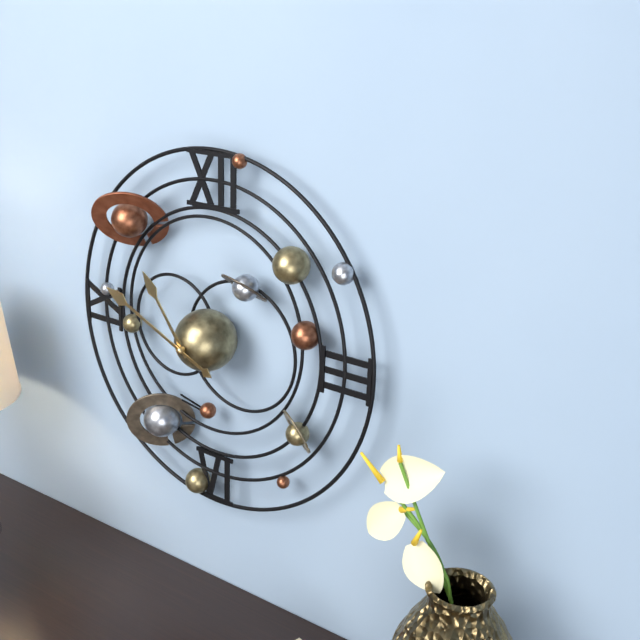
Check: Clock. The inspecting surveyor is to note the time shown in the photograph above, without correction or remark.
10:49
